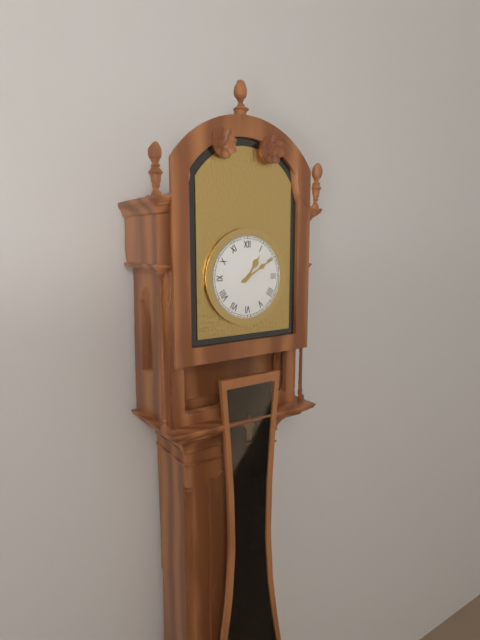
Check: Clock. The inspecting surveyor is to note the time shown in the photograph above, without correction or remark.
1:10
